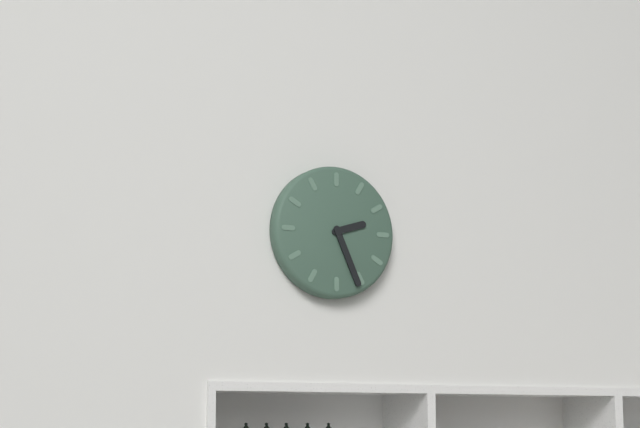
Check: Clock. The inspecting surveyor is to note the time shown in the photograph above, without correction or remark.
2:26
